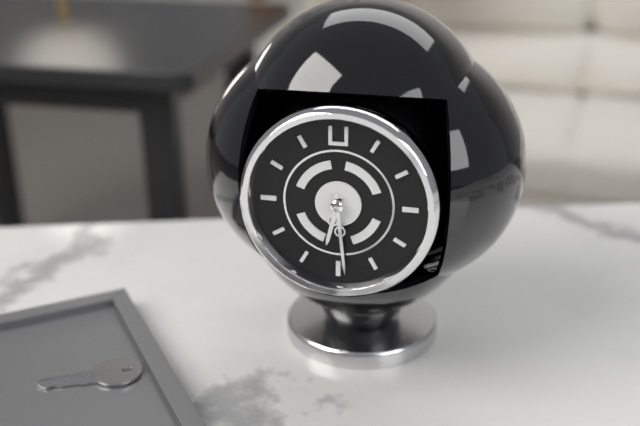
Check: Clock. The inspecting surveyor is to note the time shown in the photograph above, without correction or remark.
6:29
